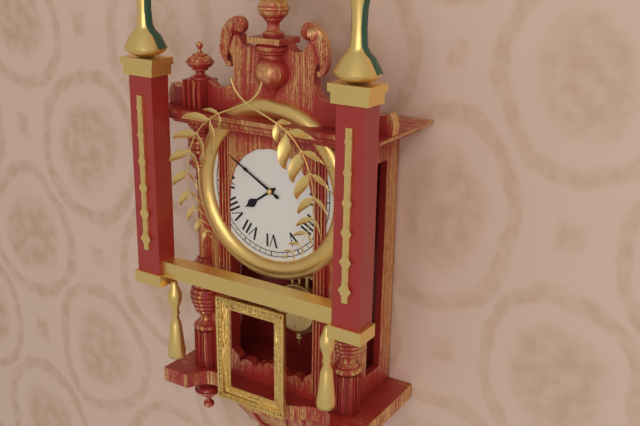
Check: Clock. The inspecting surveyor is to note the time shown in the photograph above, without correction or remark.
7:50
